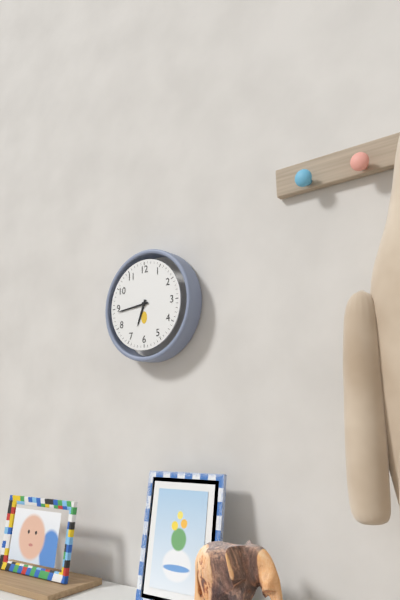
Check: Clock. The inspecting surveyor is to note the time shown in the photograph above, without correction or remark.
6:44
